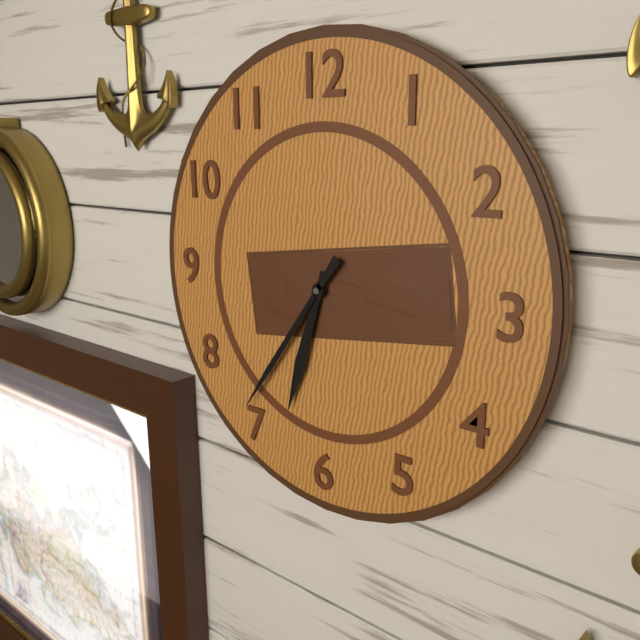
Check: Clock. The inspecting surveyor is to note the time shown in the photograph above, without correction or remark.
6:36
